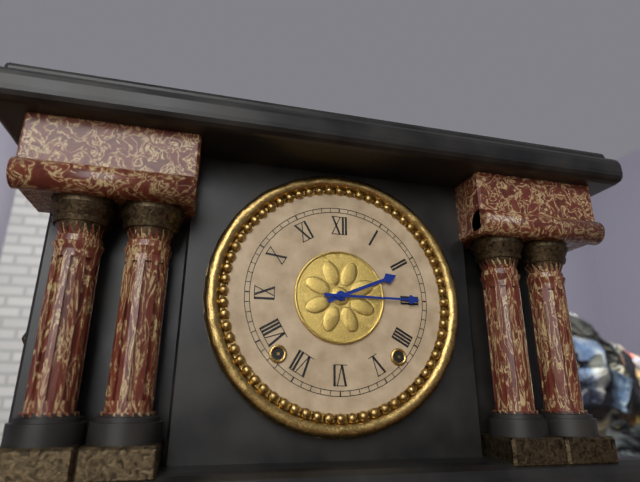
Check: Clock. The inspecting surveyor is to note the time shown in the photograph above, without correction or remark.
2:15
